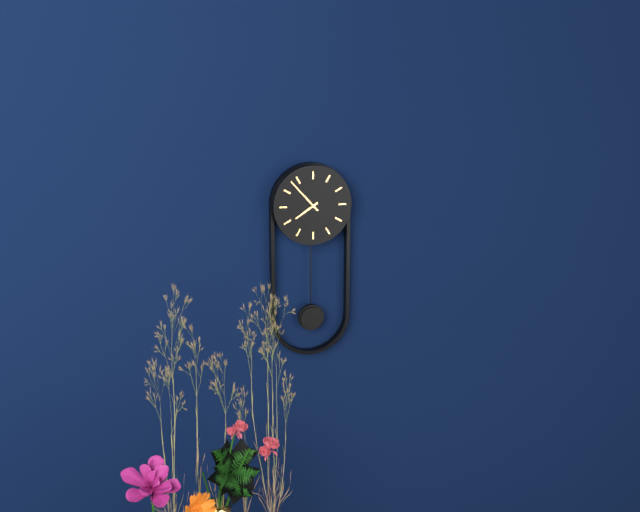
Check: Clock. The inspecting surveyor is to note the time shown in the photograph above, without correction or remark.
7:53
